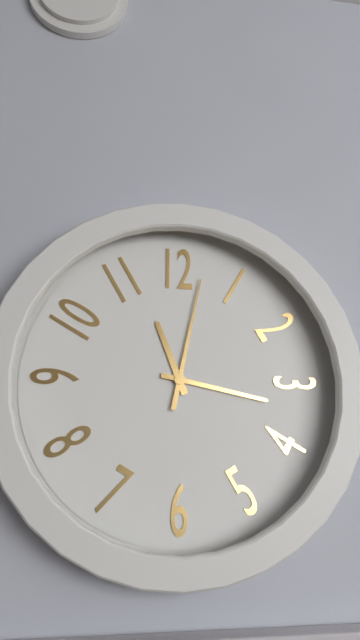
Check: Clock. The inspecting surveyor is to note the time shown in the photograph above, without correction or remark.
11:17:02
